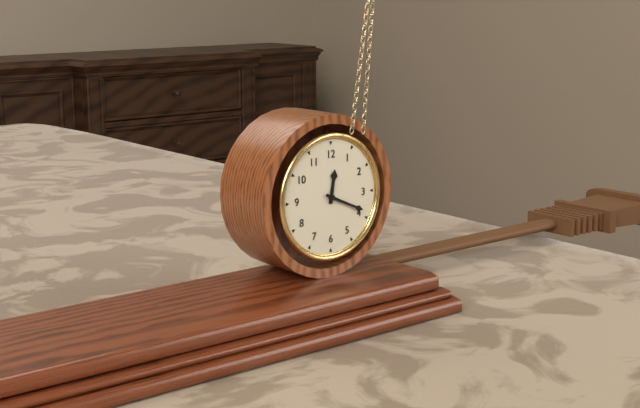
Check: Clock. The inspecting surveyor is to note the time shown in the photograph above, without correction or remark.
12:19
